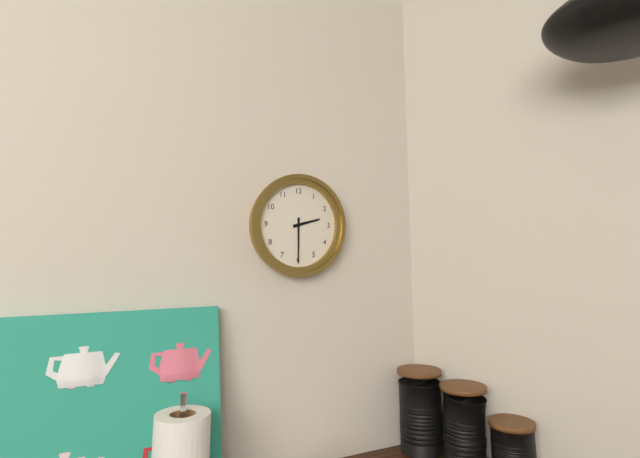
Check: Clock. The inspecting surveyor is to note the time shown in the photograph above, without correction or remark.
2:30
